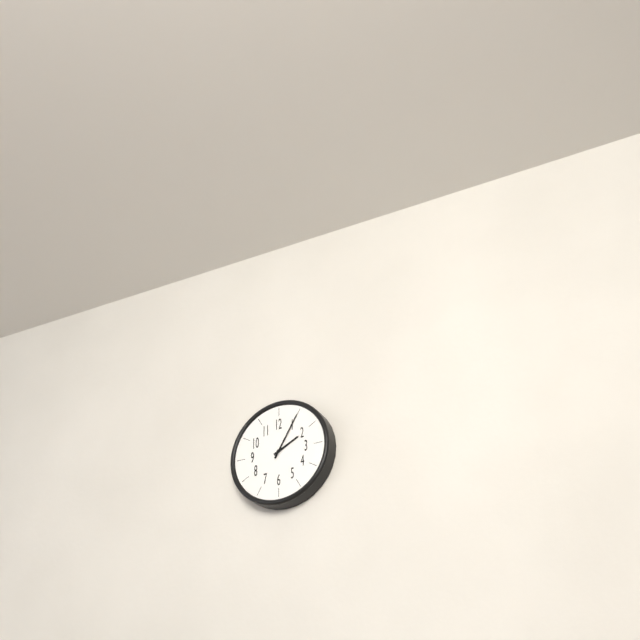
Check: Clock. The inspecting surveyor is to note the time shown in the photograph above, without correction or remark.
2:05
